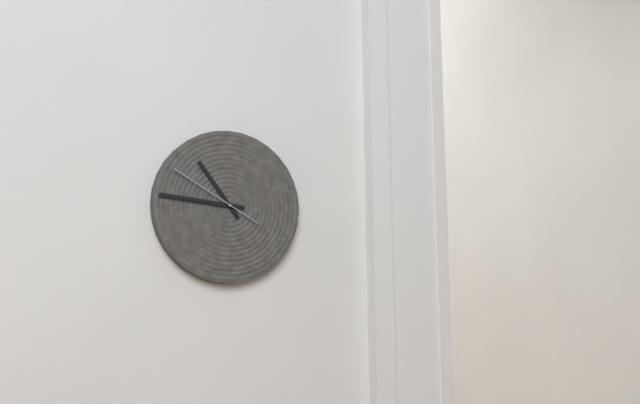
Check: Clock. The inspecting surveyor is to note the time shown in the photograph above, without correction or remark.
10:46:50
